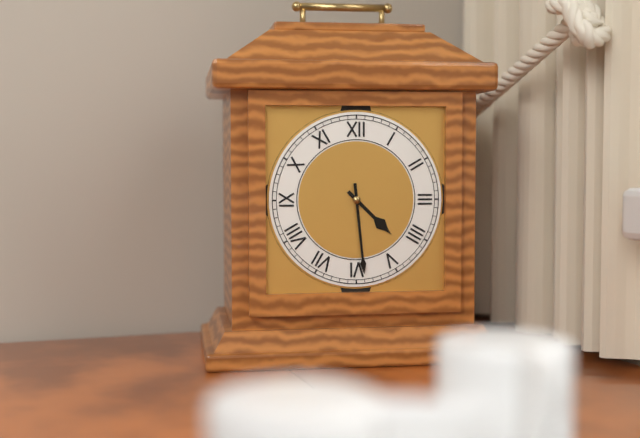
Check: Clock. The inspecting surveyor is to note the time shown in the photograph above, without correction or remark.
4:29
